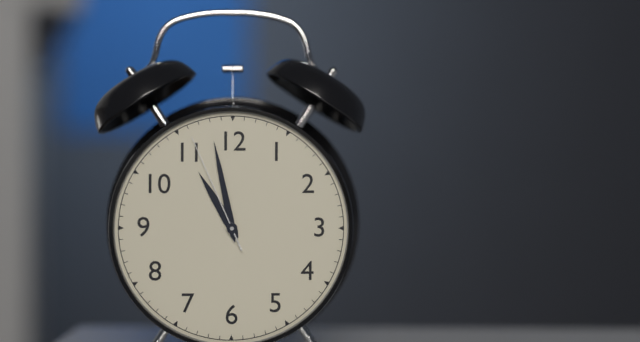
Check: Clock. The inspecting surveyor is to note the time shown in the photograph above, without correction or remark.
10:58:56
